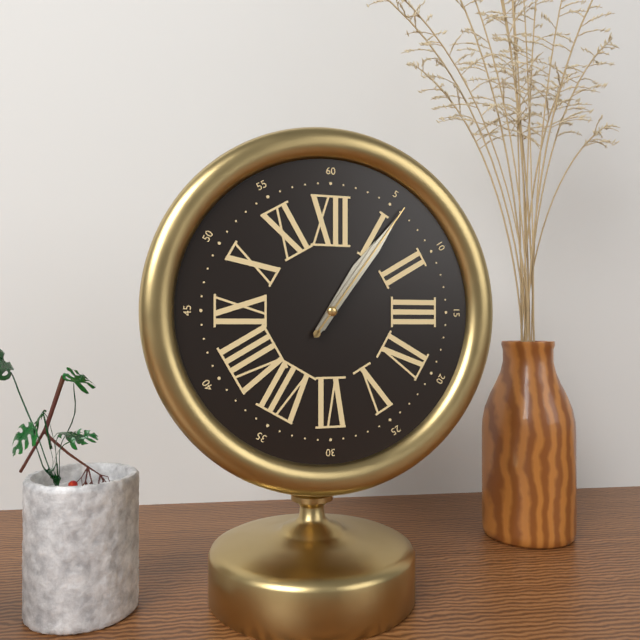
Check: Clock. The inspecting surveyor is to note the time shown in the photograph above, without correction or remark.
1:06:06
